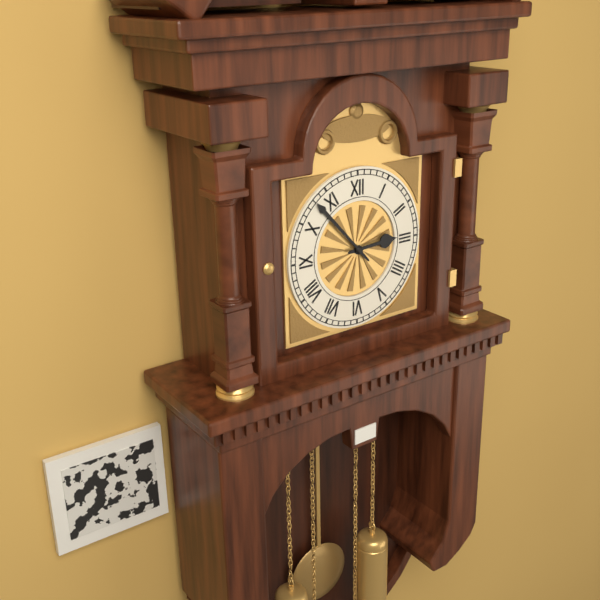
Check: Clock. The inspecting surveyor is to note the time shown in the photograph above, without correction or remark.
2:53
